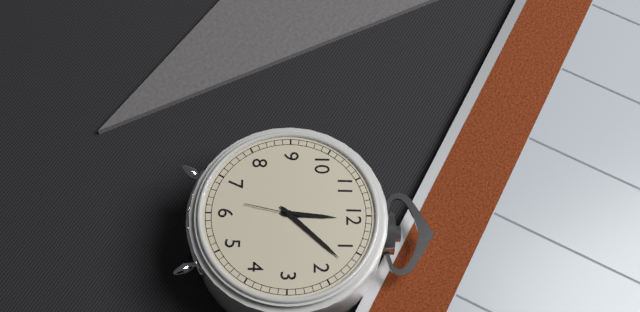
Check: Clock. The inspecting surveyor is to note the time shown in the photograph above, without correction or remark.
12:07:32
